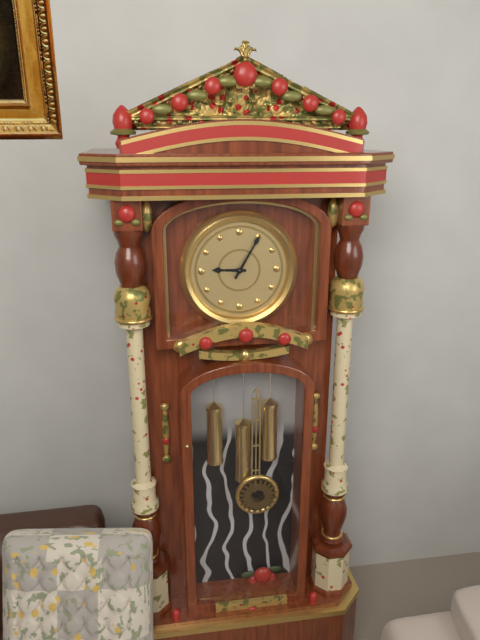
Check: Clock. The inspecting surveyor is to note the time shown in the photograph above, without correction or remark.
9:05
